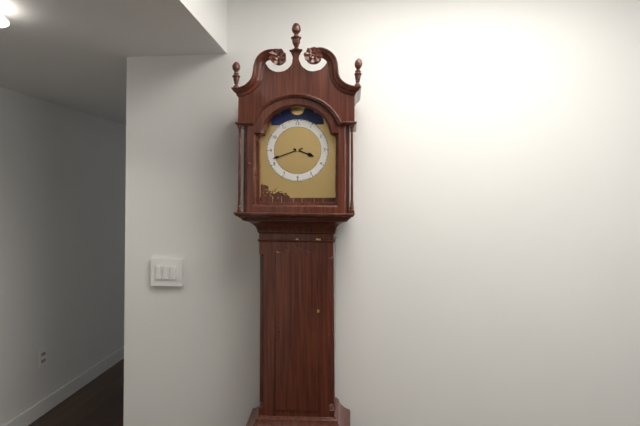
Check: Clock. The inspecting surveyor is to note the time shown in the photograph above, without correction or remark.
3:42
